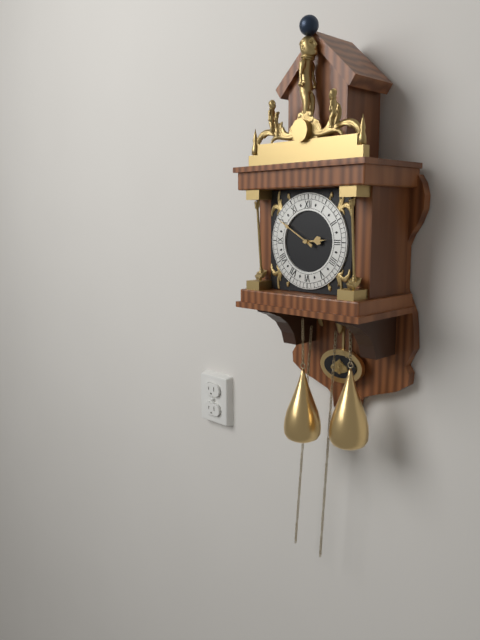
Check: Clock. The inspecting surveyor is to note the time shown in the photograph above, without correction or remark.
2:50
